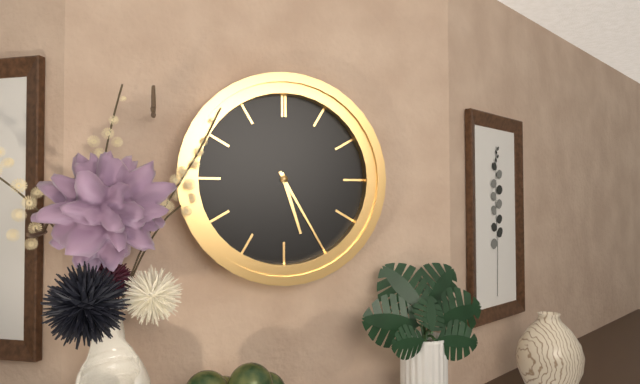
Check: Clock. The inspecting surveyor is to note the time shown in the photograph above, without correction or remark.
5:25
